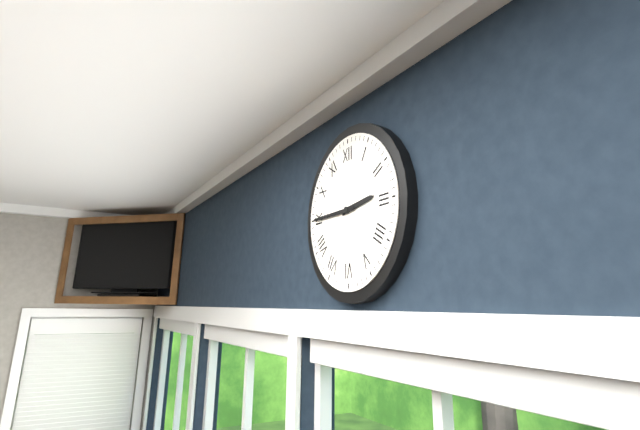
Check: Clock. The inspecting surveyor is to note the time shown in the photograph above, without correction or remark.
2:45
